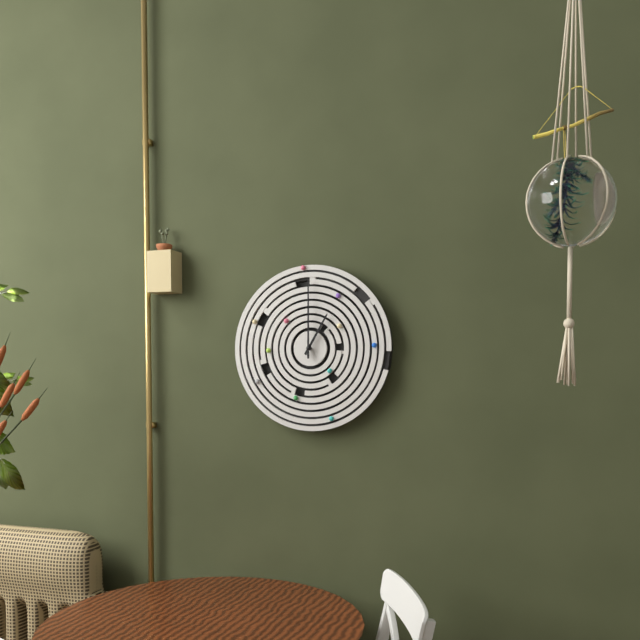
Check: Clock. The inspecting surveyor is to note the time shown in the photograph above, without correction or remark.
1:00
